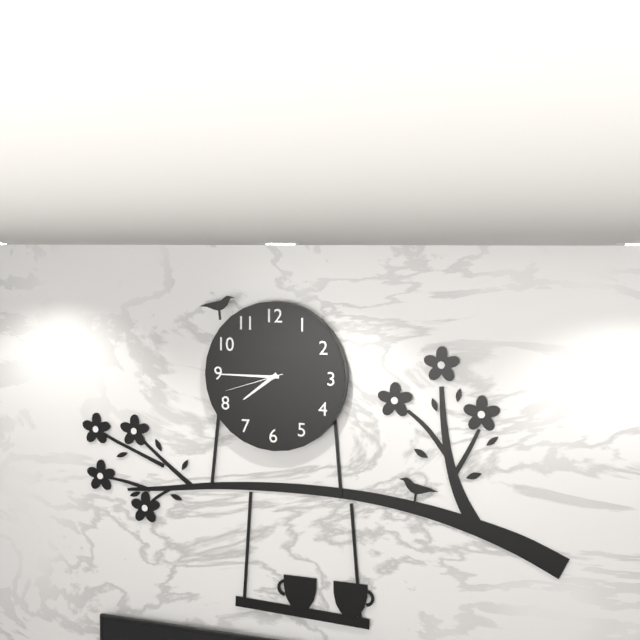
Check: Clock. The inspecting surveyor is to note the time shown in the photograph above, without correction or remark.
7:45:42
